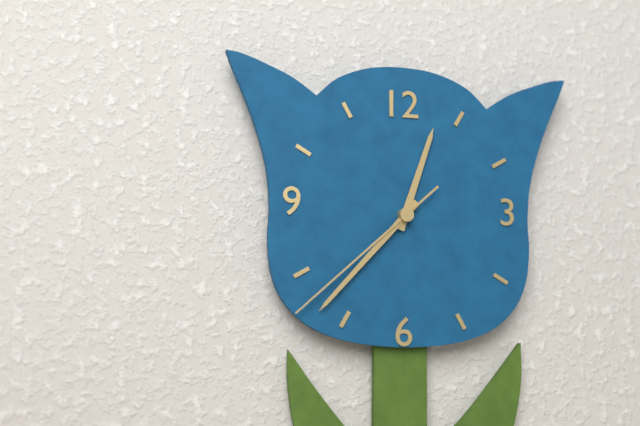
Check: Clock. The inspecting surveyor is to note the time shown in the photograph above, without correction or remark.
12:37:38
